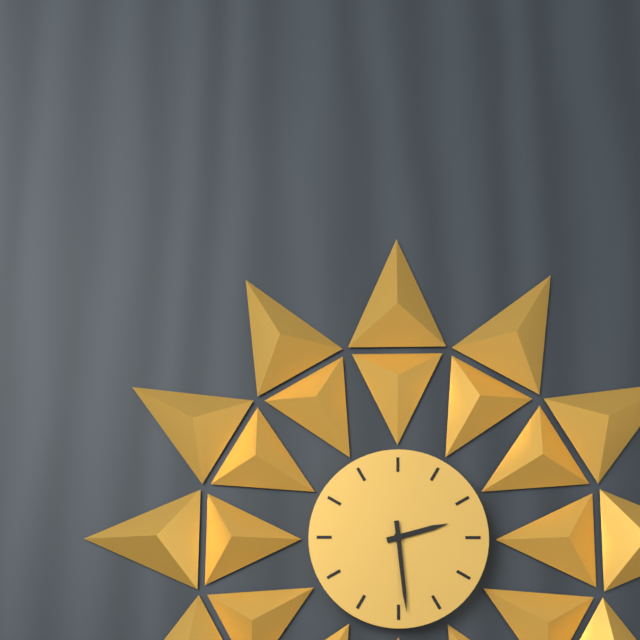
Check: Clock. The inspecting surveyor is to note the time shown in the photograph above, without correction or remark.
2:29
